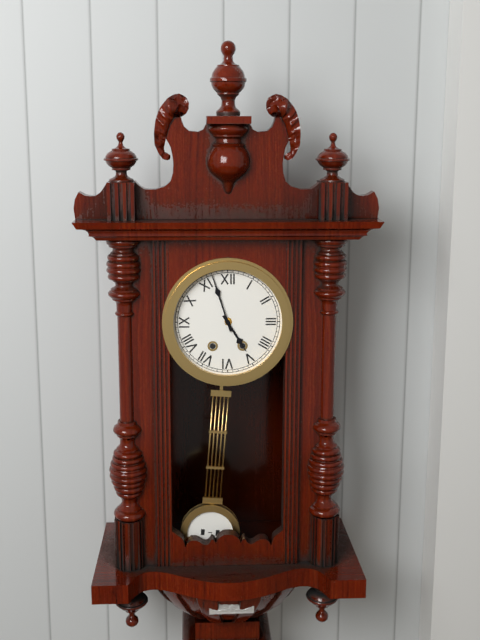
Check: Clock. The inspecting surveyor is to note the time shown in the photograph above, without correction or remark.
4:57
